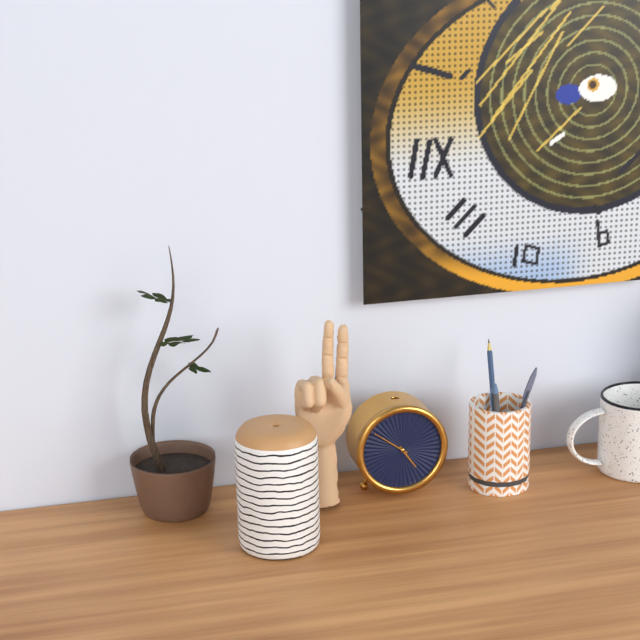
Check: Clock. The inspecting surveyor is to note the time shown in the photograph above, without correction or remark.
4:51
